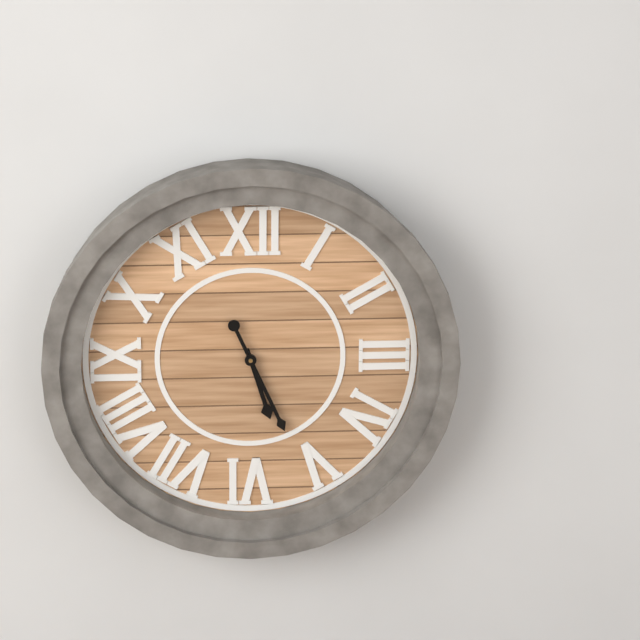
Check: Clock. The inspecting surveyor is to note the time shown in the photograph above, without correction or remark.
5:26
